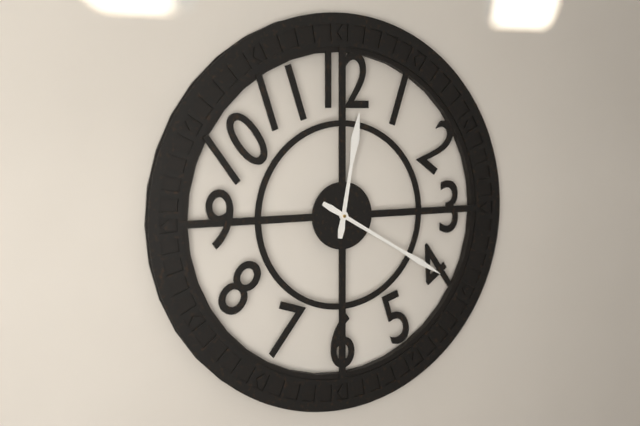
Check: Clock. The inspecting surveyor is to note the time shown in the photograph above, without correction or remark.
12:20
